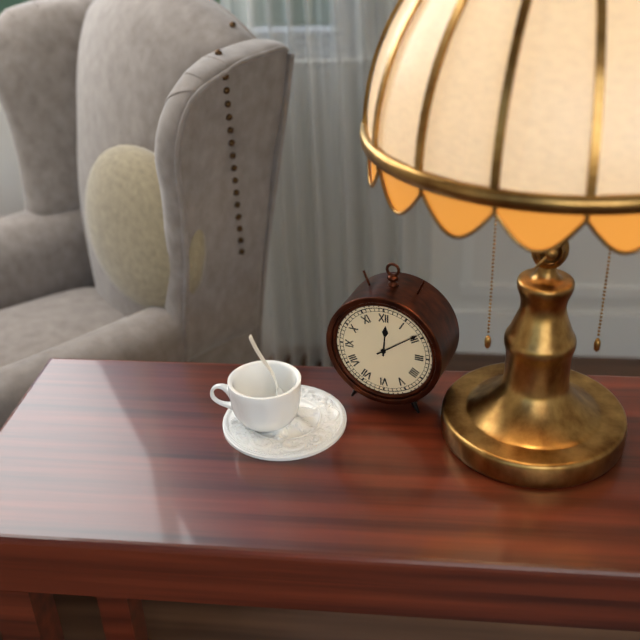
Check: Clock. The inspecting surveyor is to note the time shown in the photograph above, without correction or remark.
12:09
